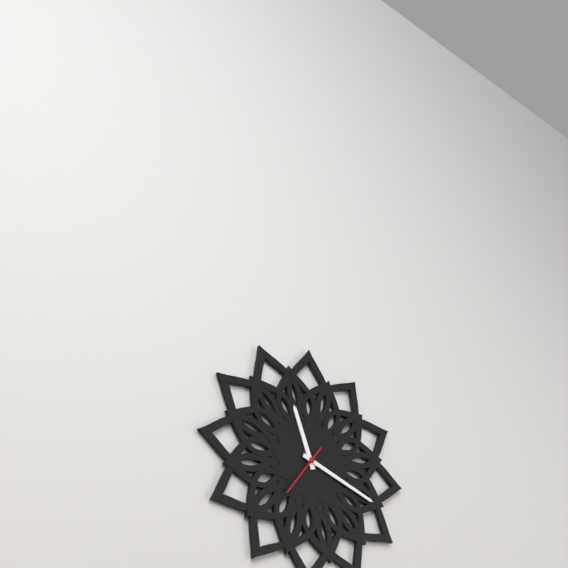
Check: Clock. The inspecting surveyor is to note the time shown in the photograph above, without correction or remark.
11:18:36
